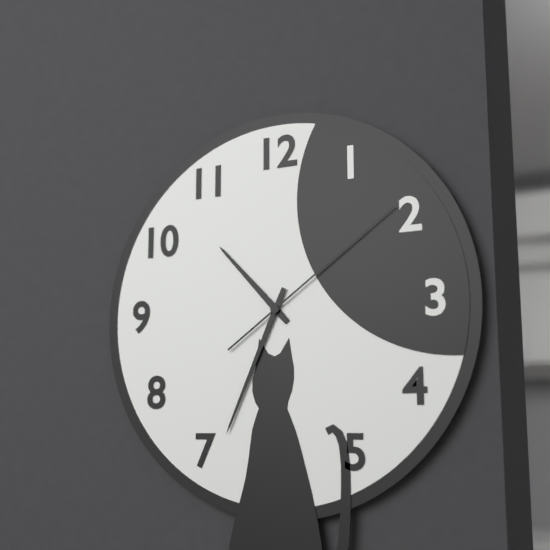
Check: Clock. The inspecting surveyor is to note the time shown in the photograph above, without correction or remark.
10:34:09
